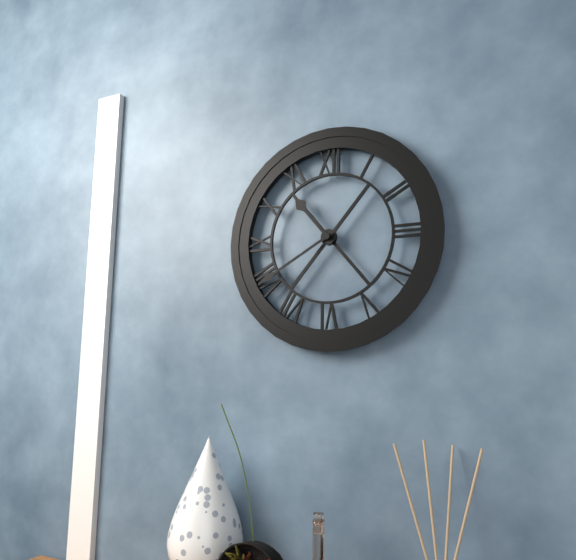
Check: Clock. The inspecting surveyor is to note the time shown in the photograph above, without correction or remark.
10:40
